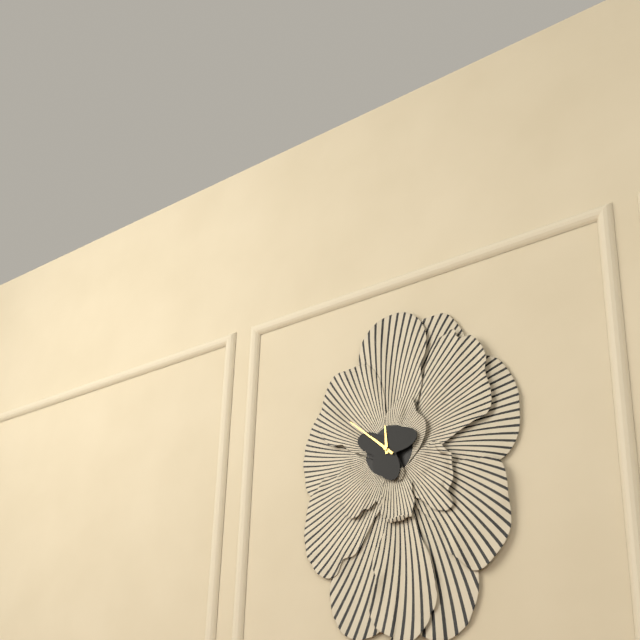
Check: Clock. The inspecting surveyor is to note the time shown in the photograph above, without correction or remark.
11:52
